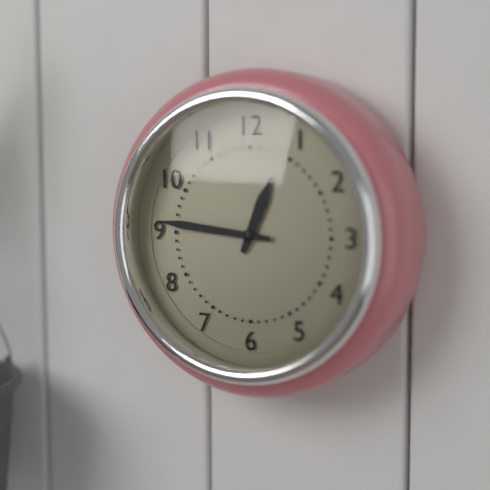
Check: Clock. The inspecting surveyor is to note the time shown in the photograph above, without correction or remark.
12:46
